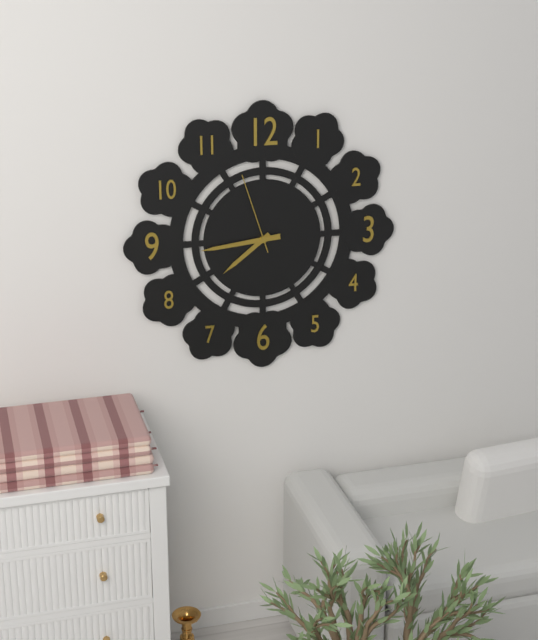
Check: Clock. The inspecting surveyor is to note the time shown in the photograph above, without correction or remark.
7:44:57
